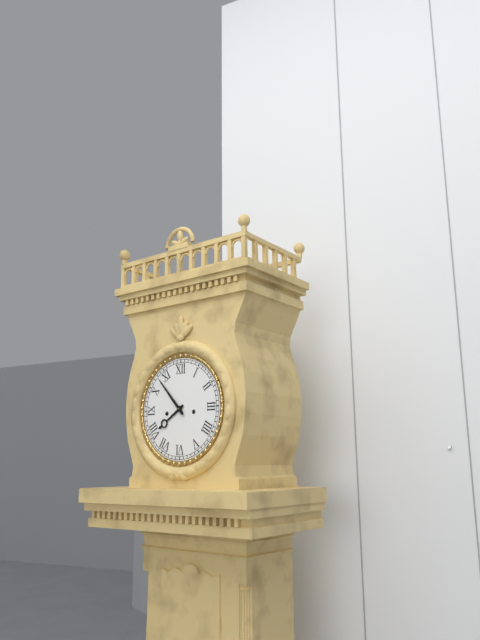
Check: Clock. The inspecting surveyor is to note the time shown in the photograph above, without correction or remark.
7:53
